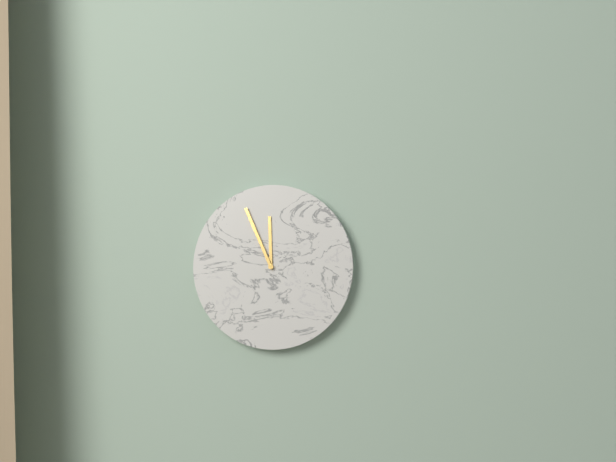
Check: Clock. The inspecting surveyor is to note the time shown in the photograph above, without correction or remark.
11:56
